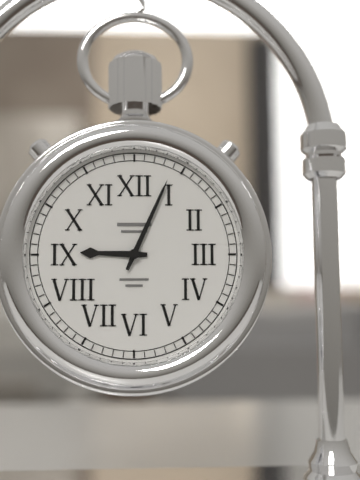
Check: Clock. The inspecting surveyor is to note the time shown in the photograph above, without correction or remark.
9:04
